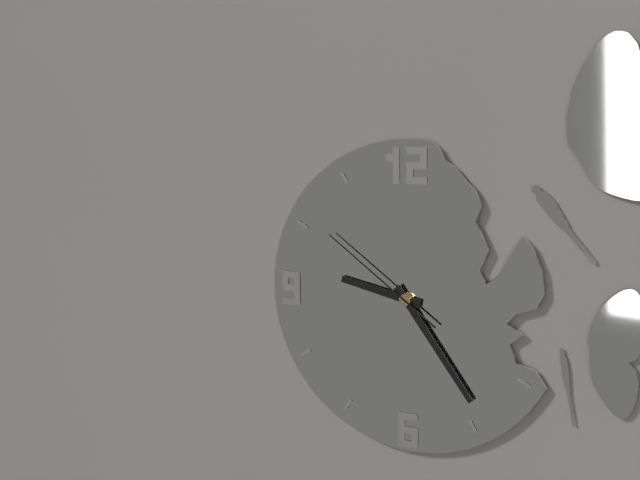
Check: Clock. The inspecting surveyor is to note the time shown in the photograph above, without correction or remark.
9:24:51
